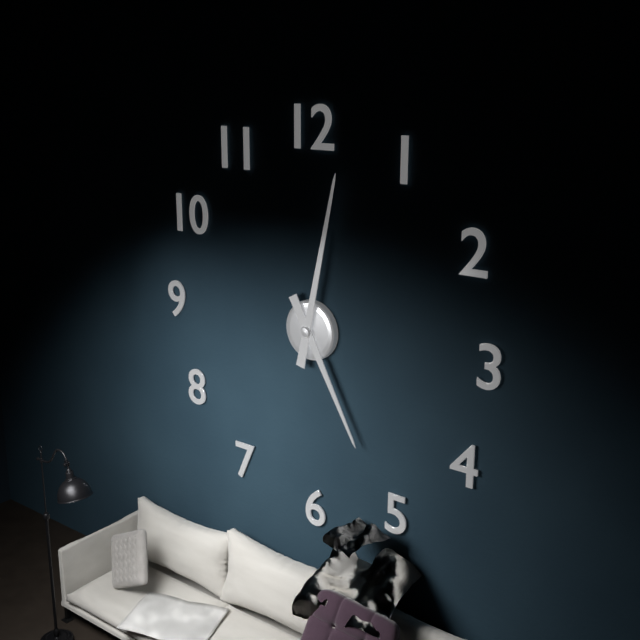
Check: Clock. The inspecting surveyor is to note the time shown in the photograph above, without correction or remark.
5:02
